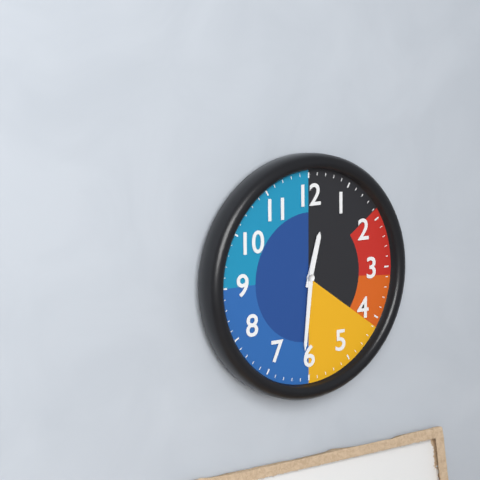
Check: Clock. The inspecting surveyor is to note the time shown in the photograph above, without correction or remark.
12:31
